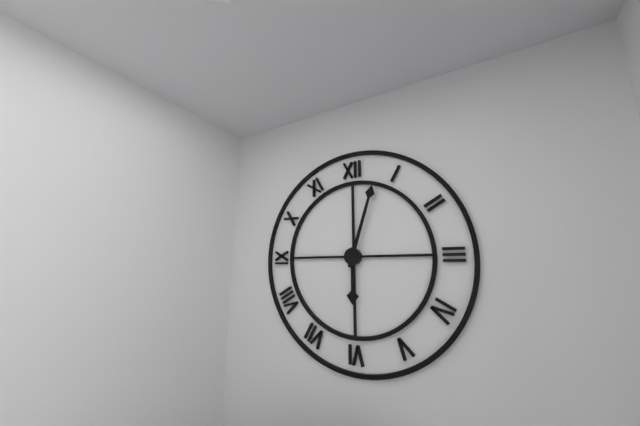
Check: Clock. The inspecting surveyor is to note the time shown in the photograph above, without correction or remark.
6:03
